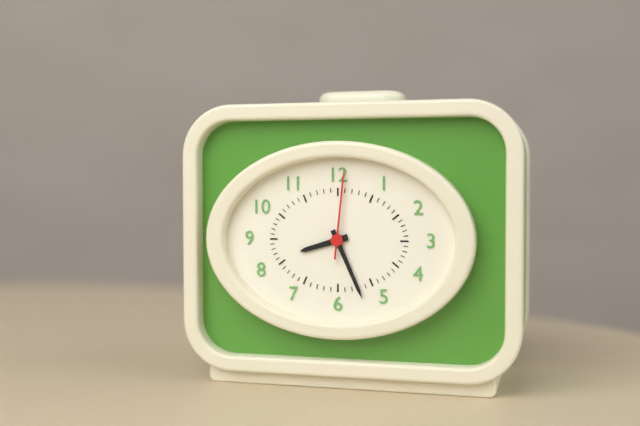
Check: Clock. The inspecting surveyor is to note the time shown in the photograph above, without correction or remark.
8:26:01
